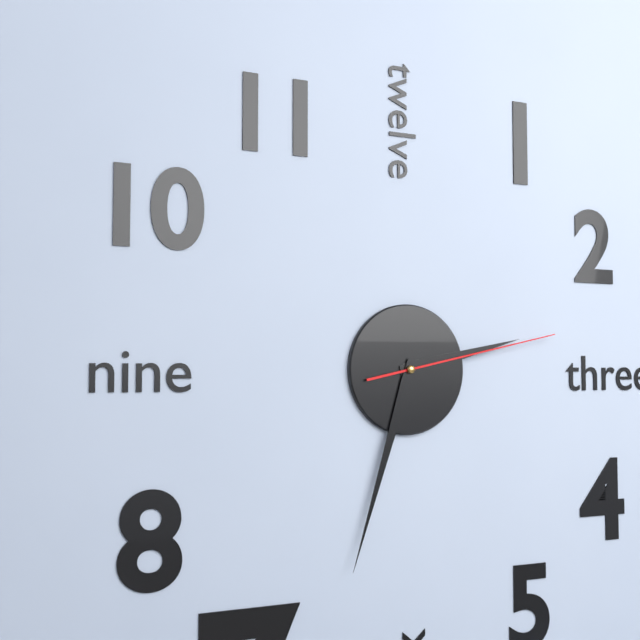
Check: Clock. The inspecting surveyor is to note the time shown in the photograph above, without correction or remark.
2:33:13
